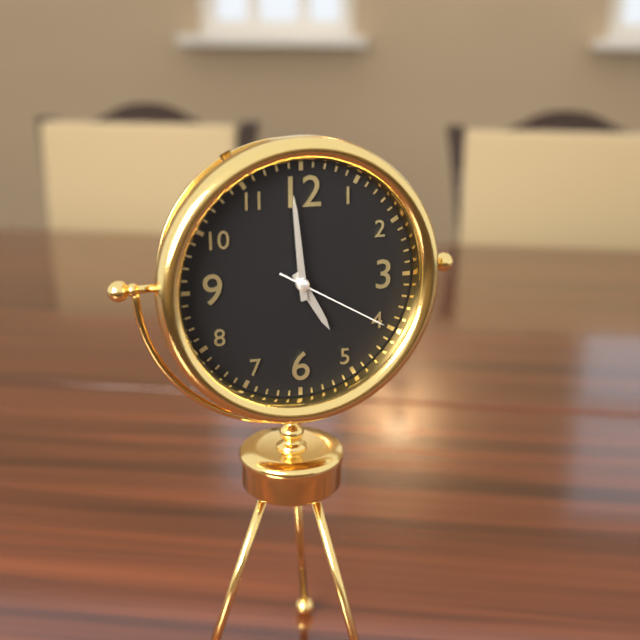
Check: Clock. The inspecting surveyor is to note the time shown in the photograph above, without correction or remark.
4:59:20
